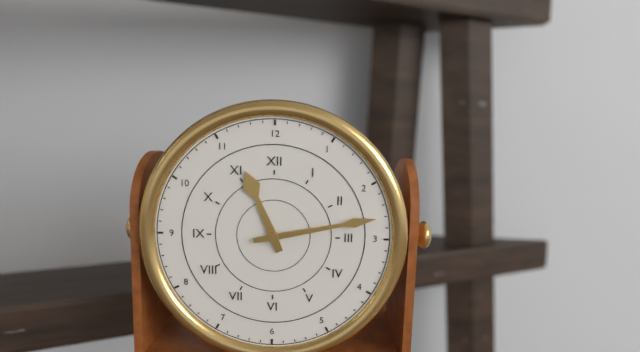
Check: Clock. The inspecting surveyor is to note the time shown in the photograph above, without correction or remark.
11:13
